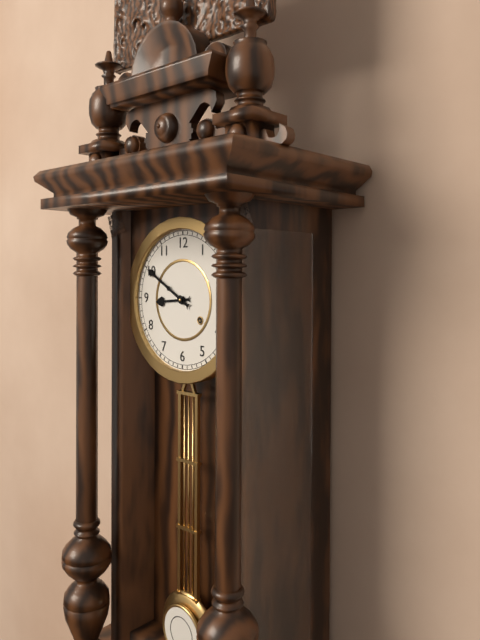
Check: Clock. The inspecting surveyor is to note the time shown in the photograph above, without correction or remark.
8:50
